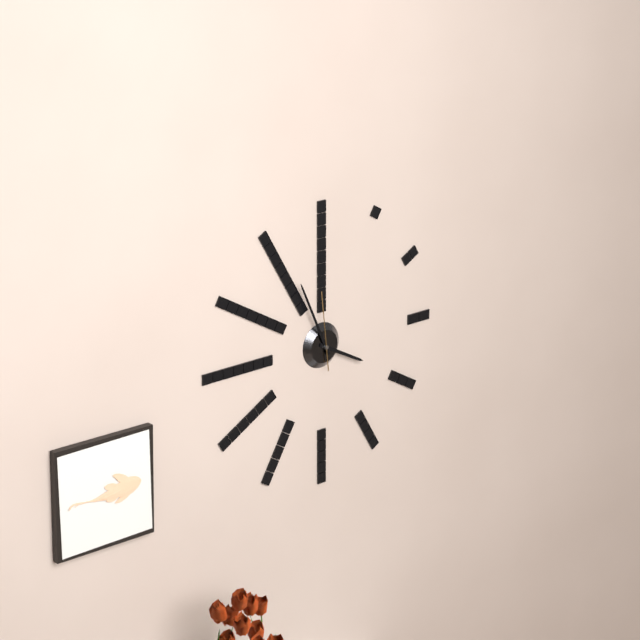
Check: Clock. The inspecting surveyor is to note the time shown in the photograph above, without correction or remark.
3:56:59
